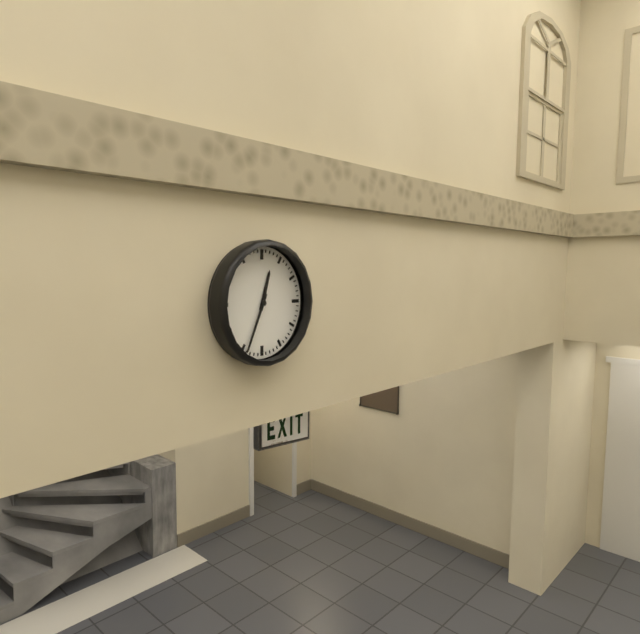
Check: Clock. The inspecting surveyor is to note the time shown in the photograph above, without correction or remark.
12:34
